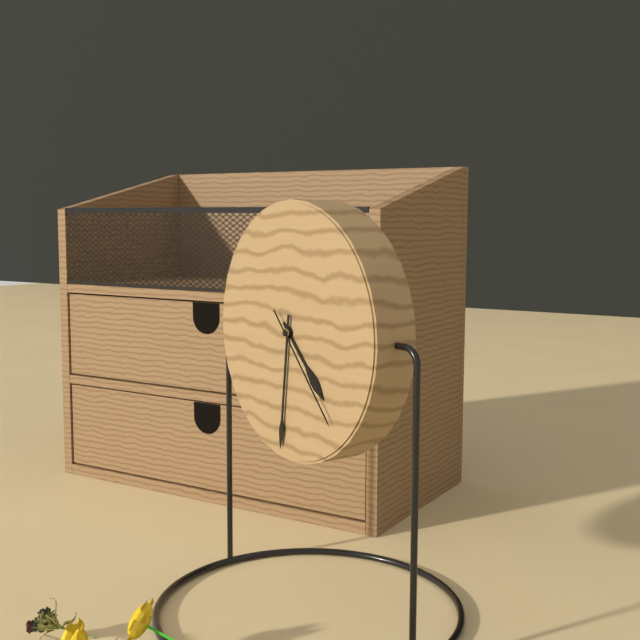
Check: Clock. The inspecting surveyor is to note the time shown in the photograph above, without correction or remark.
4:31:23
